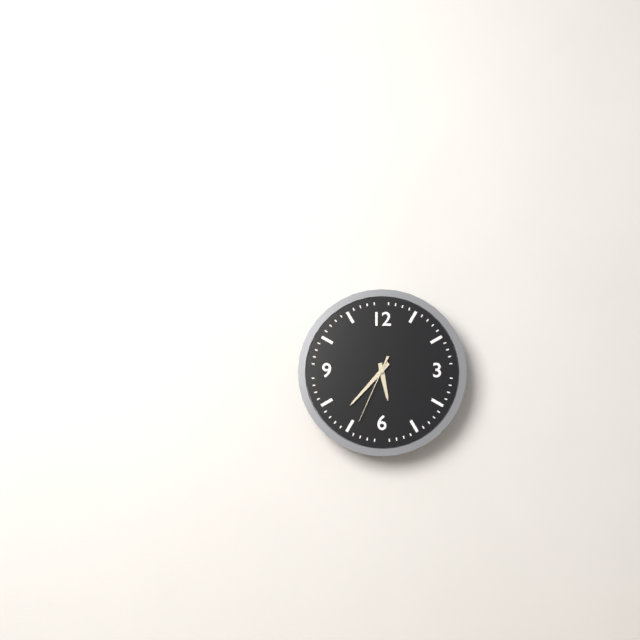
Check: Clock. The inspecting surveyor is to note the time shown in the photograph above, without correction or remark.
5:37:34
